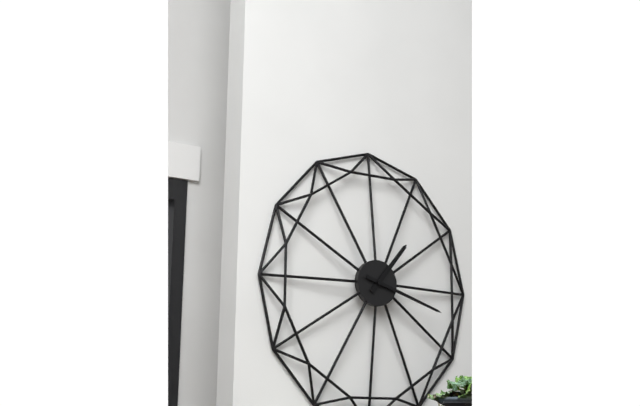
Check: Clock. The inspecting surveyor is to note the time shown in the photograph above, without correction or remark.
1:18
